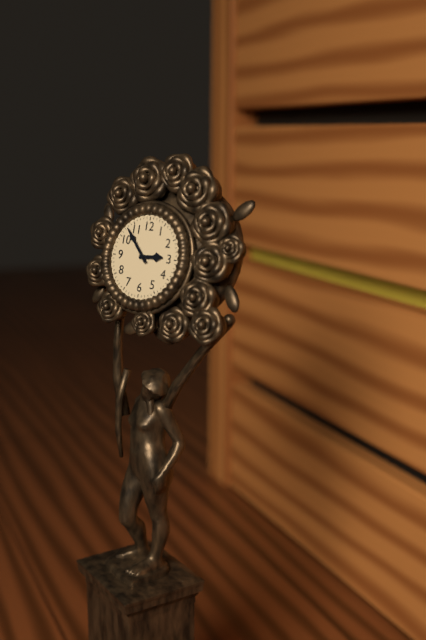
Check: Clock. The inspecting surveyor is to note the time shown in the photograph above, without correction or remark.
2:53
